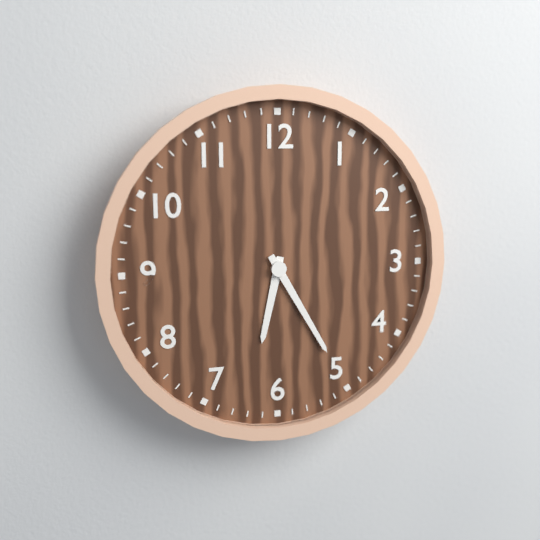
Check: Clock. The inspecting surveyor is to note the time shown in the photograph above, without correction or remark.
6:25
